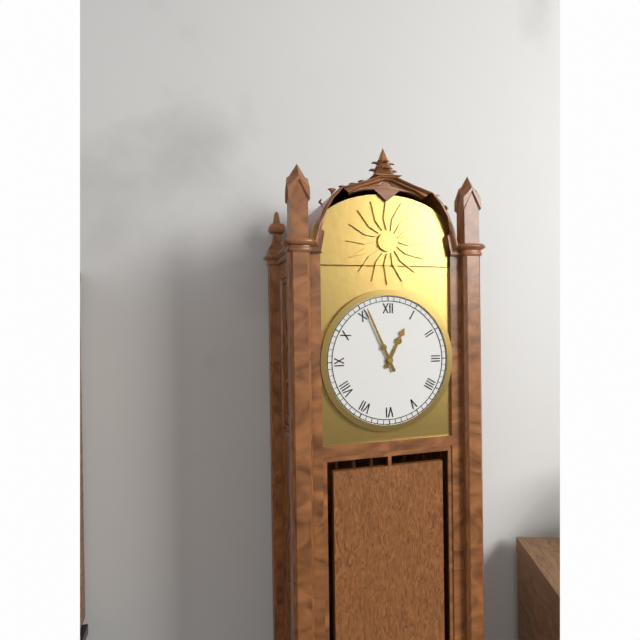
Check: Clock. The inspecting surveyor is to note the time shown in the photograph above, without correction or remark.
12:56
